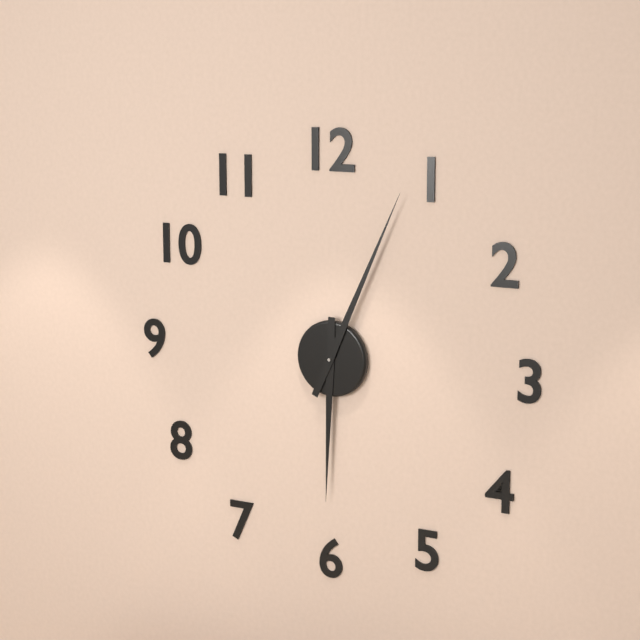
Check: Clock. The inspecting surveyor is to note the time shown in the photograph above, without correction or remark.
6:04
